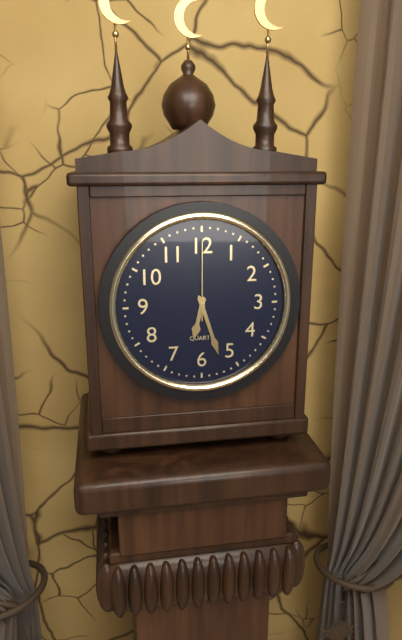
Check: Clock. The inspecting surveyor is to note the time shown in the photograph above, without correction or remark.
6:27:00
